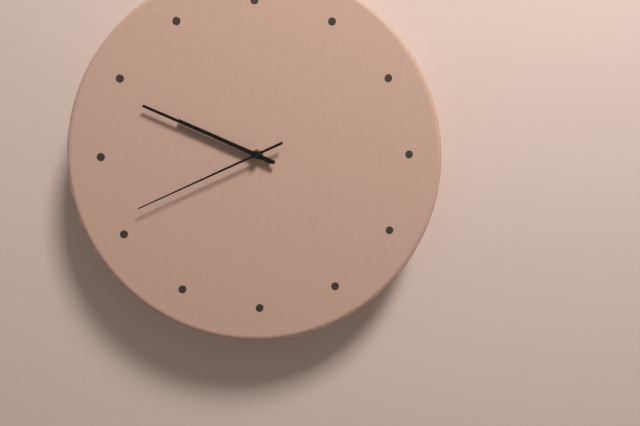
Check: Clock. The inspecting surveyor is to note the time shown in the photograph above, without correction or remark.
9:49:41
